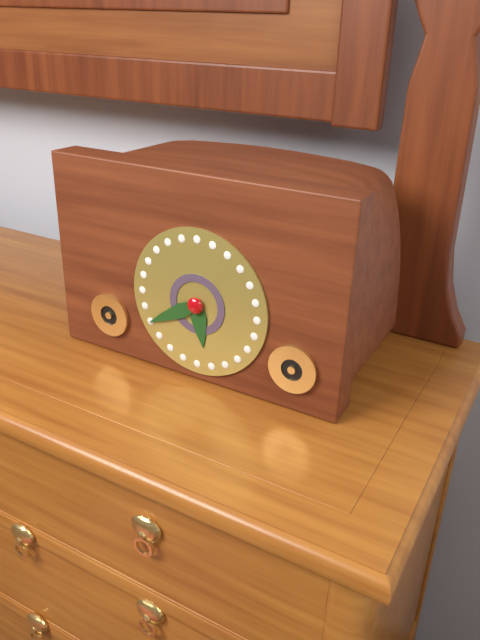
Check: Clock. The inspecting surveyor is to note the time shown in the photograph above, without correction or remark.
5:40
